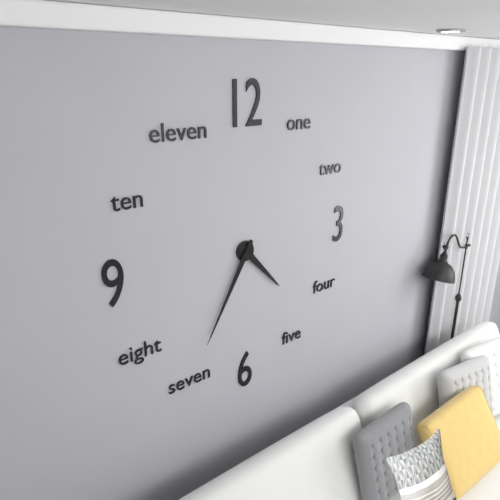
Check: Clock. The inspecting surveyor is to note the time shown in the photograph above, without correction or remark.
4:35
